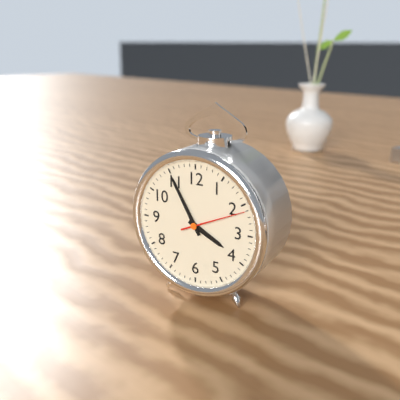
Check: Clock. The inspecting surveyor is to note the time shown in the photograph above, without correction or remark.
3:55:11
